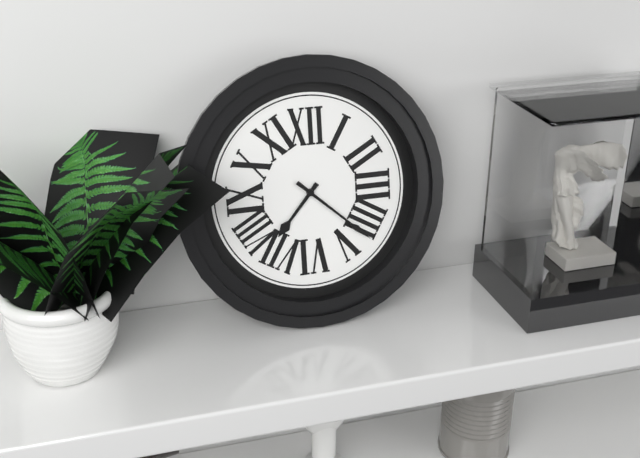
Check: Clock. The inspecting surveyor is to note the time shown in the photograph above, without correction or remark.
7:22
